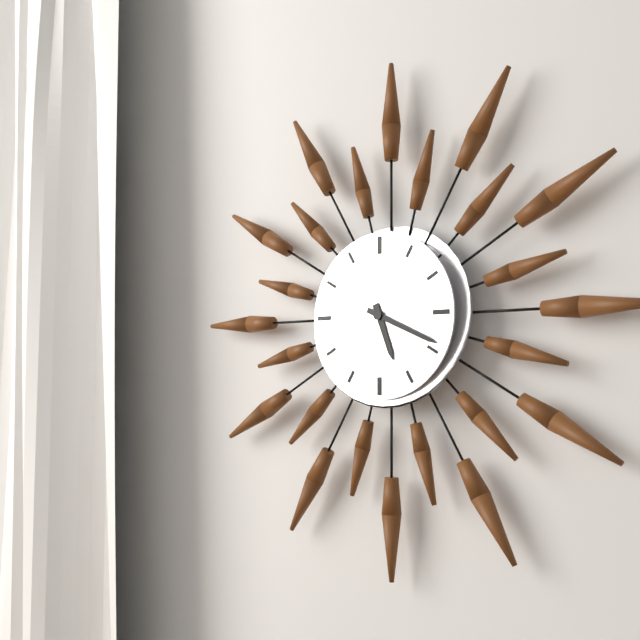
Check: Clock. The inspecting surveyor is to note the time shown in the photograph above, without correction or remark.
5:19
